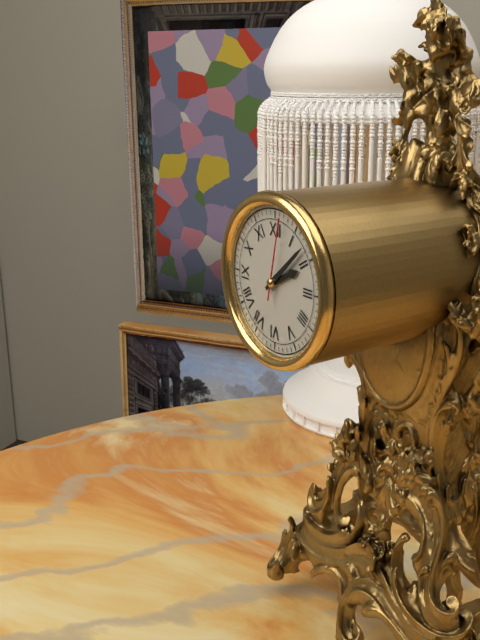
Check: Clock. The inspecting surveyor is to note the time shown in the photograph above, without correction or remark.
2:08:02
